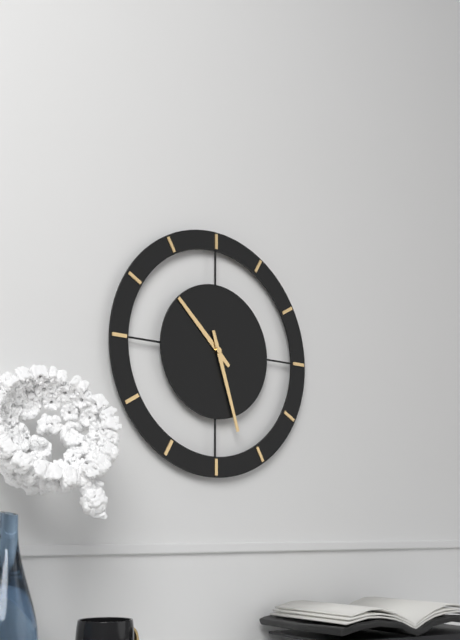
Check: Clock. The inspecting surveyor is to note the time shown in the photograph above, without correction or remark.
10:27
